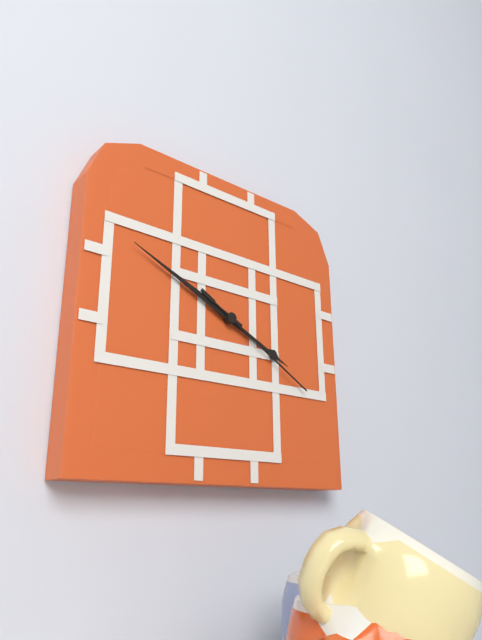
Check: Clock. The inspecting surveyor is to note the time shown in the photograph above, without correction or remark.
3:49:20
